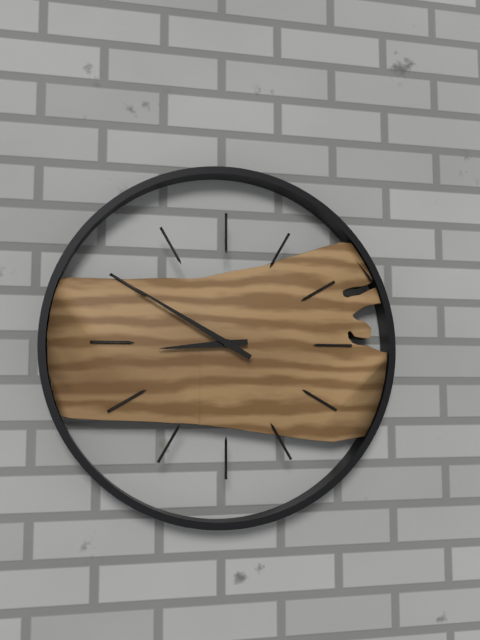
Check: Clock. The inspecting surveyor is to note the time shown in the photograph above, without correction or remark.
8:50
